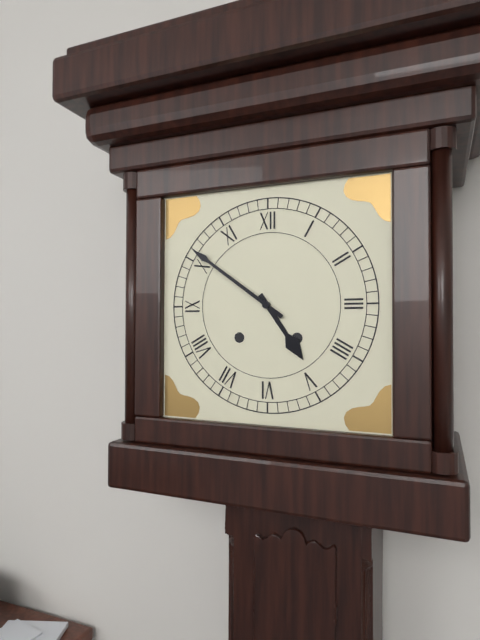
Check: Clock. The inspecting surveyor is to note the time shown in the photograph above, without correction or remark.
4:51
